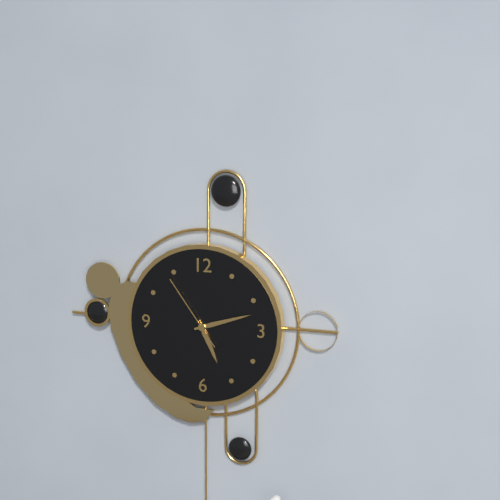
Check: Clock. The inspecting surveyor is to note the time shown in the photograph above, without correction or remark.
5:12:54
